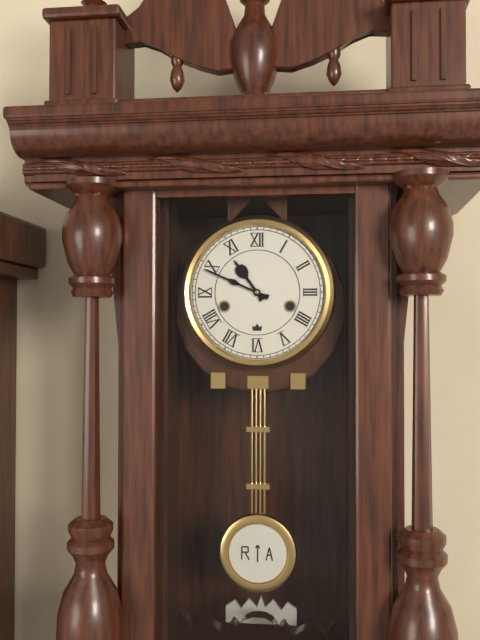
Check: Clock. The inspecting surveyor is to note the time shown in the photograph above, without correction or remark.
10:49
